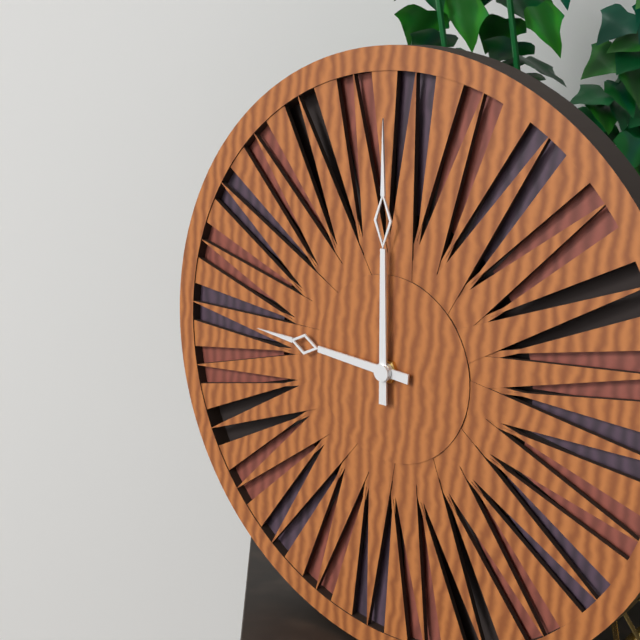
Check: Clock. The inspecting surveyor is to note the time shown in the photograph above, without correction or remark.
8:59
